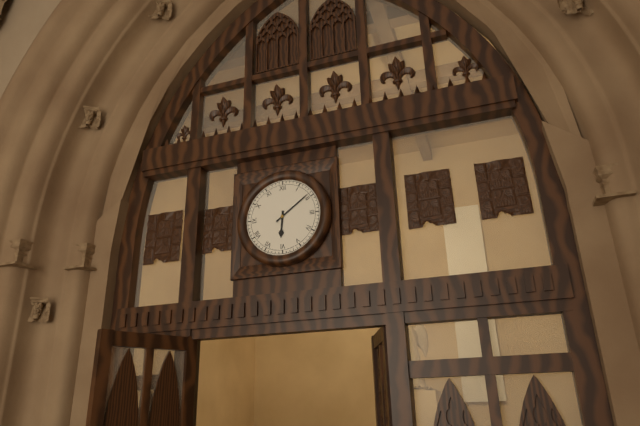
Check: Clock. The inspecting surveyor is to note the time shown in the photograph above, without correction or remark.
6:09
